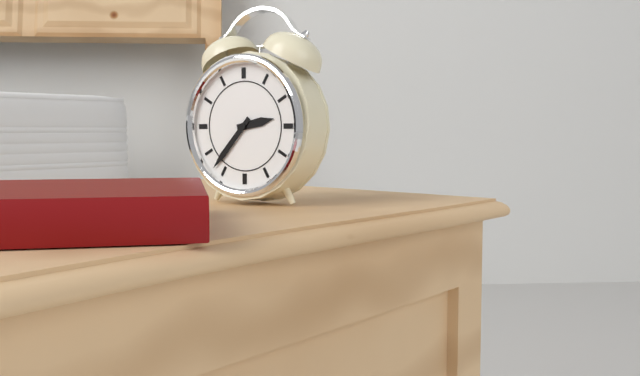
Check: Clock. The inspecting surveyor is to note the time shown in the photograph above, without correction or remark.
2:37
